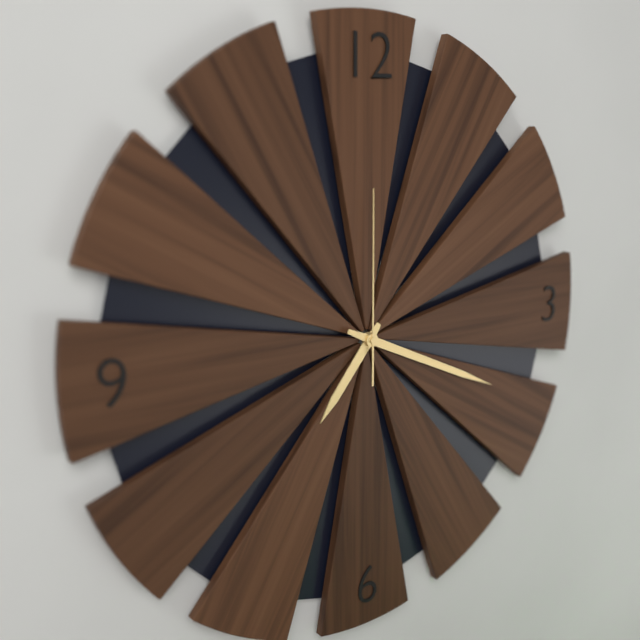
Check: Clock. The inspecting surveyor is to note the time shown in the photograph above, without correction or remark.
7:19:00
